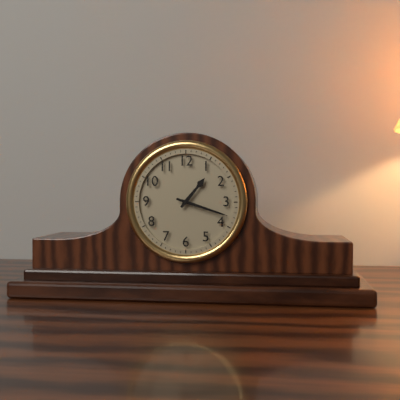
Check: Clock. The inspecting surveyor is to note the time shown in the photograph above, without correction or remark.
1:18
